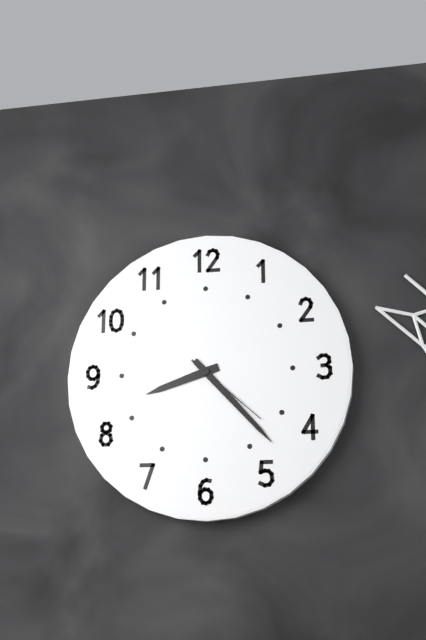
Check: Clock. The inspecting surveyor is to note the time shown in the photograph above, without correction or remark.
8:23:22
